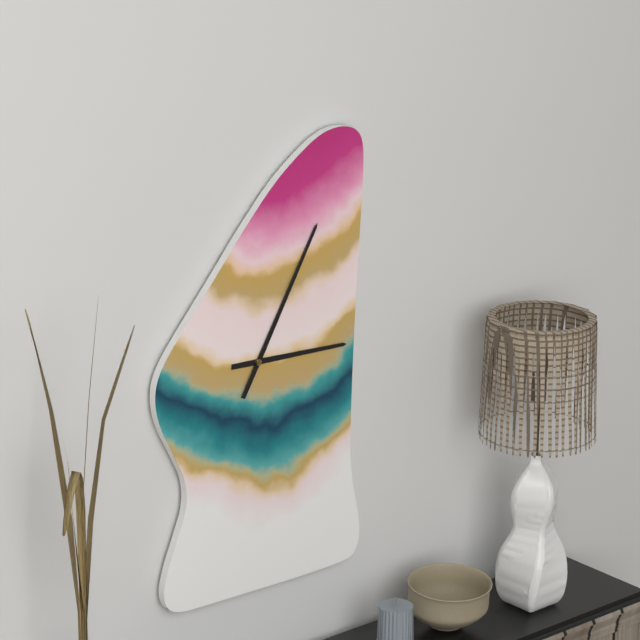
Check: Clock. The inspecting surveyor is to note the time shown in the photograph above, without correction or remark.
3:05
